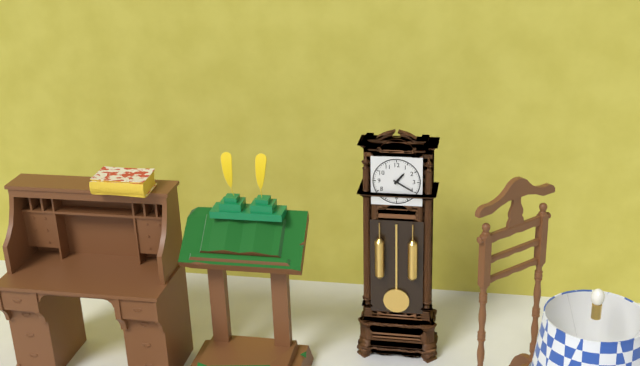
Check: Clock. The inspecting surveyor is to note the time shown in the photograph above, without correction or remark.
1:20
